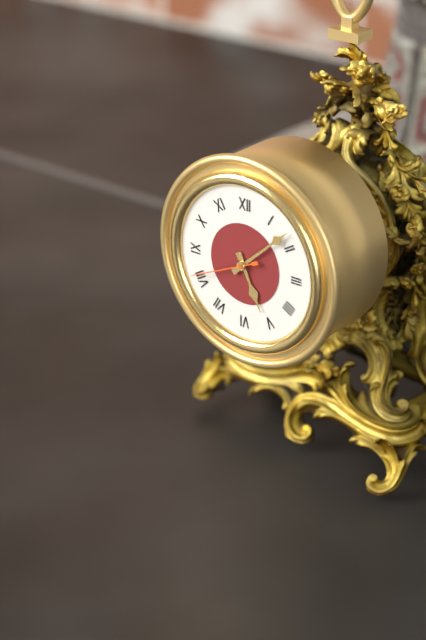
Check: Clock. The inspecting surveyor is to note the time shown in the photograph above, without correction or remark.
5:08:41
